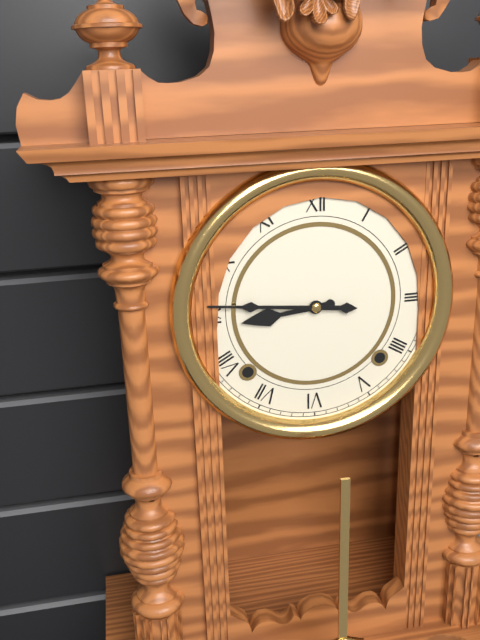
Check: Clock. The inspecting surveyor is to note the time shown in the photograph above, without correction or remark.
8:46
